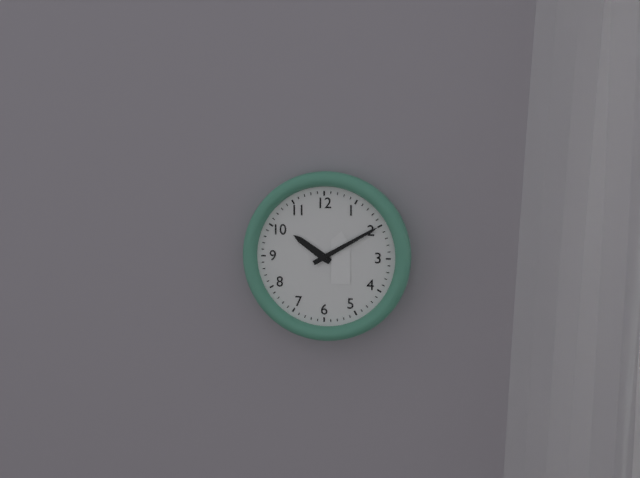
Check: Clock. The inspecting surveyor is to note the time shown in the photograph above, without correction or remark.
10:10
